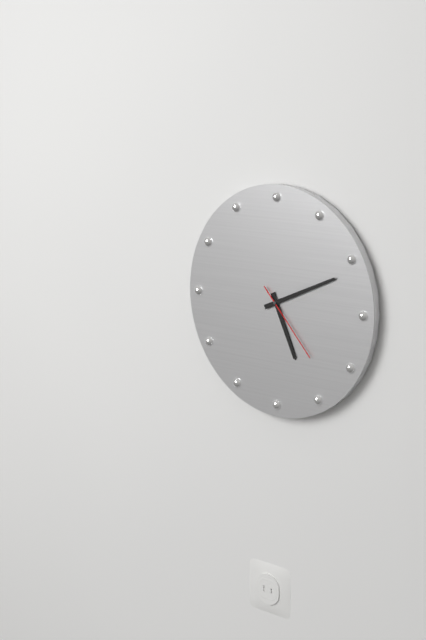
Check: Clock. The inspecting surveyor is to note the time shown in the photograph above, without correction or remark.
5:11:23
